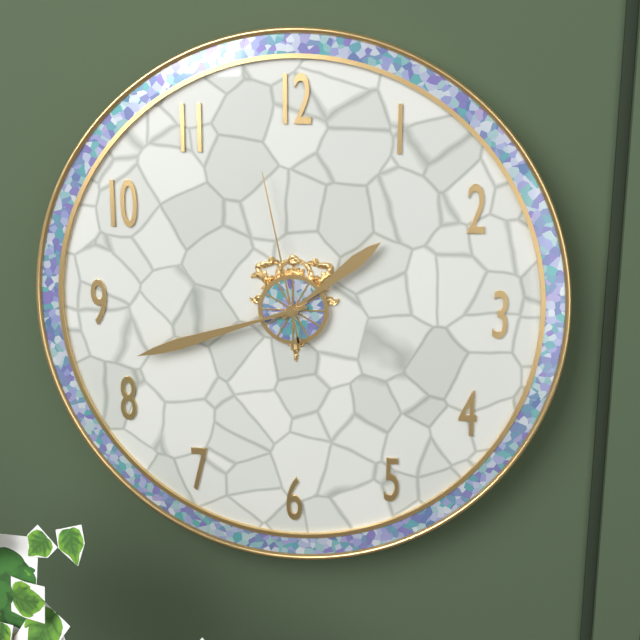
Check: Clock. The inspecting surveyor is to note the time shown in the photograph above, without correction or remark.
1:42:58
